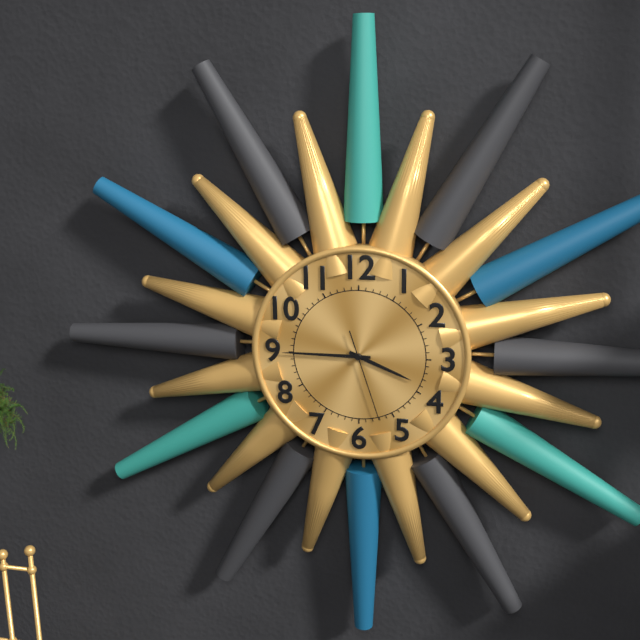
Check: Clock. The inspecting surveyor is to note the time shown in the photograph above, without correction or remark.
3:45:27
